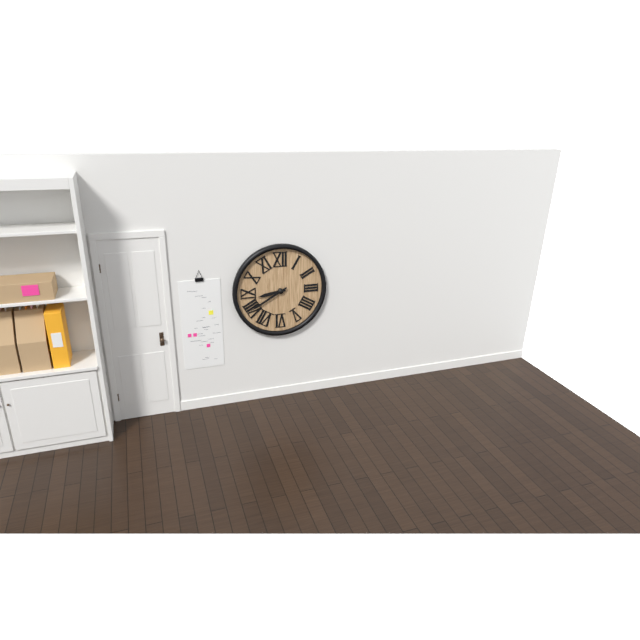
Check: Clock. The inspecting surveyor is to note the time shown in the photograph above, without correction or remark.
8:40
